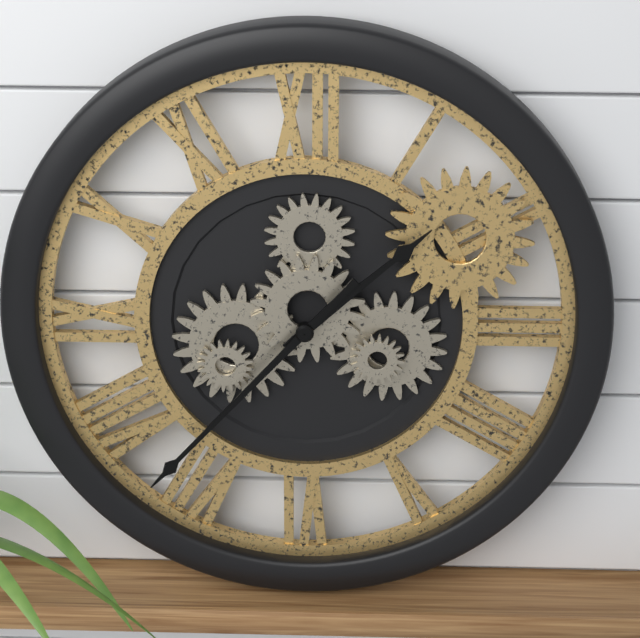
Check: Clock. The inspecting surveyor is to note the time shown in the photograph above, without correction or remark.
1:37
